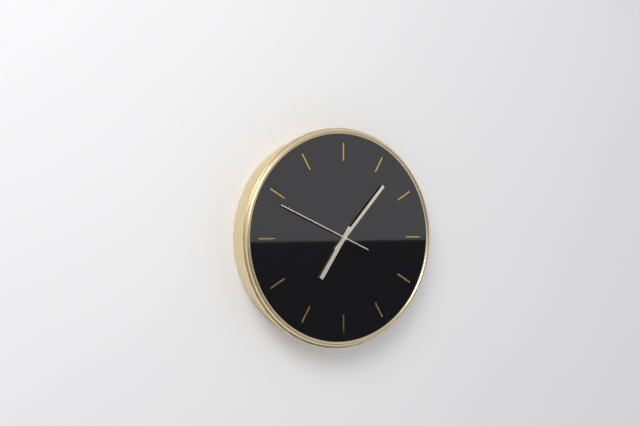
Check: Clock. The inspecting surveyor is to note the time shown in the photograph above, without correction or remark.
7:07:49
